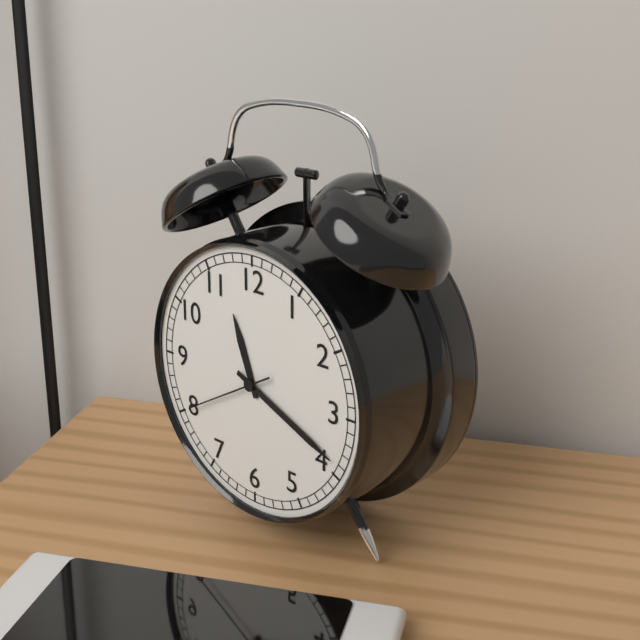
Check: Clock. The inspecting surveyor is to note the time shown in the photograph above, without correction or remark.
11:19:40
